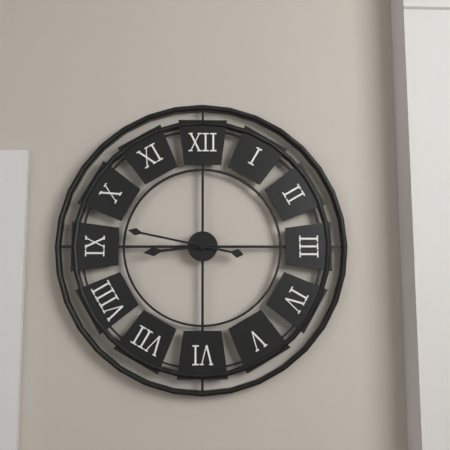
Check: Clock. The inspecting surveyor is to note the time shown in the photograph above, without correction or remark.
8:47
